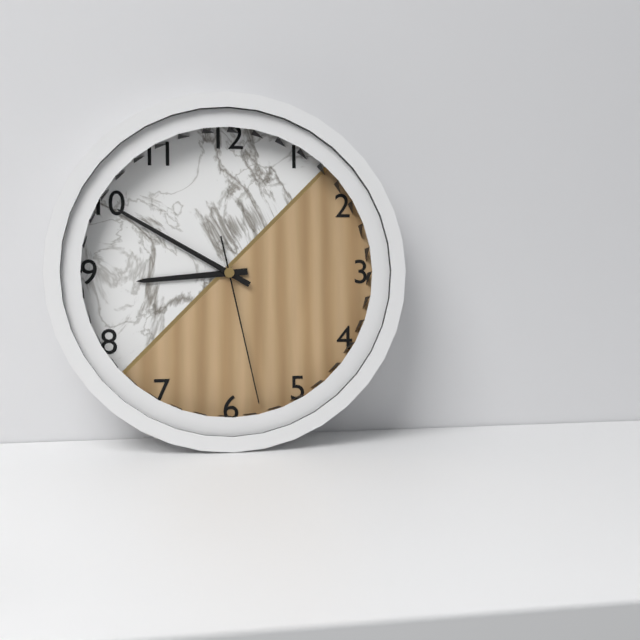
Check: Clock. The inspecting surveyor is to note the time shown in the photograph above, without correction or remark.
8:50:28
